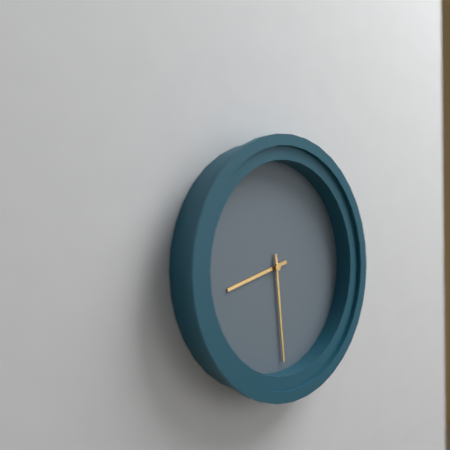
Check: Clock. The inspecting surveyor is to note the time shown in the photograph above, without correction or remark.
8:29
